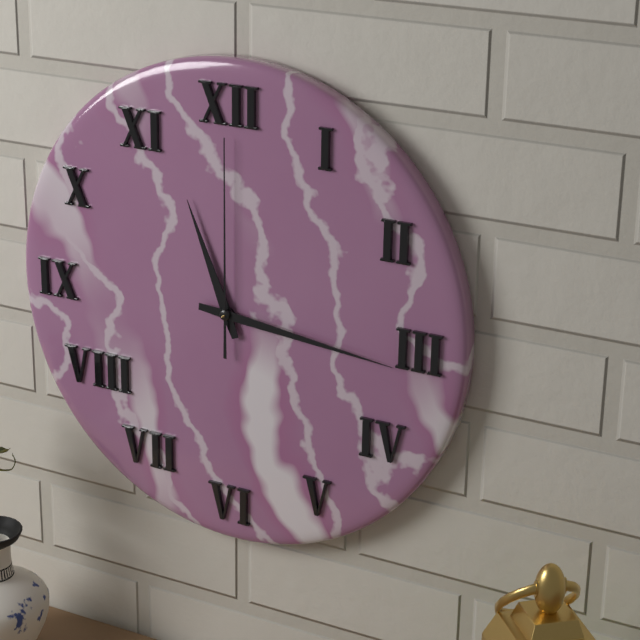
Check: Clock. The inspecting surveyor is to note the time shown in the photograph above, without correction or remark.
11:16:00
